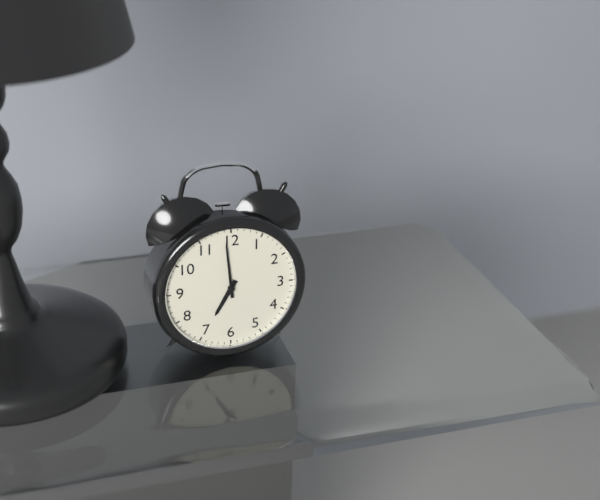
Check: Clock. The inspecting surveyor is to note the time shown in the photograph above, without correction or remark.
6:59
